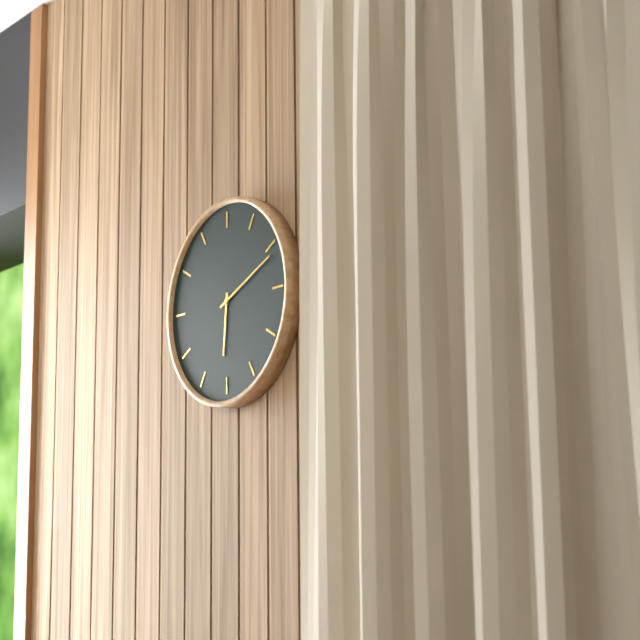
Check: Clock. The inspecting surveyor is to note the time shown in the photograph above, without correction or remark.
6:11
